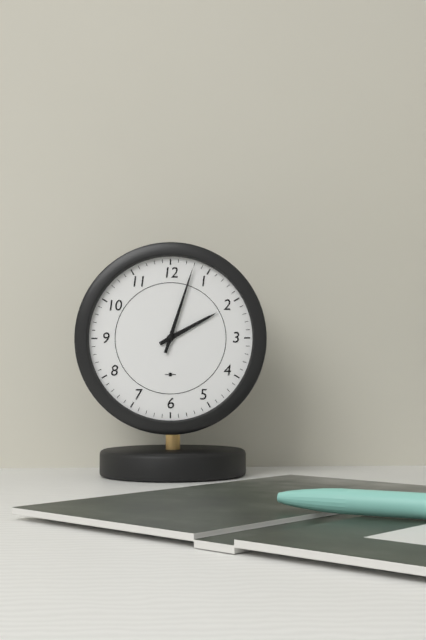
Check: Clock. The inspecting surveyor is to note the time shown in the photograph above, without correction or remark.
2:03
